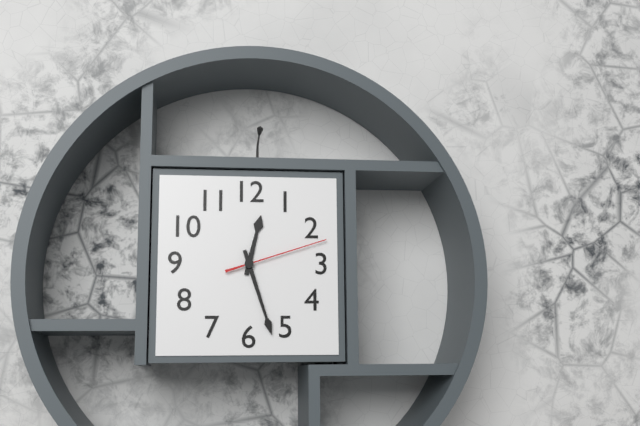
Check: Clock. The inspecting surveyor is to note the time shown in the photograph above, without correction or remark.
12:27:12
